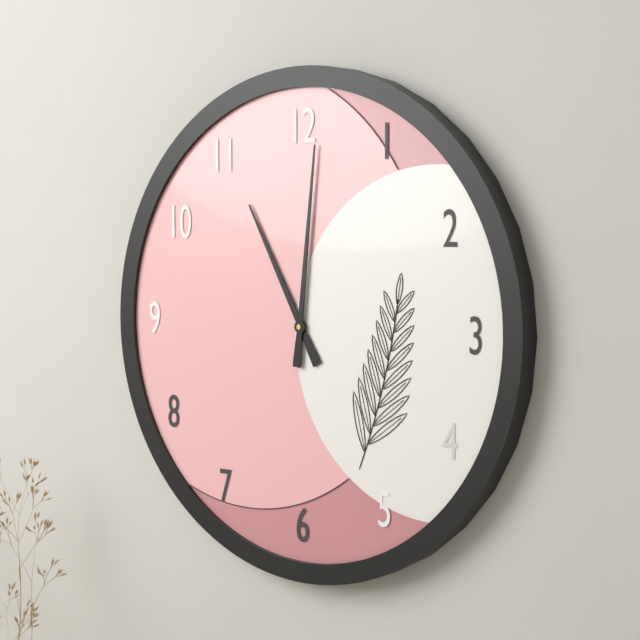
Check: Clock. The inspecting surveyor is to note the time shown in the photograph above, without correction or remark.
11:01
